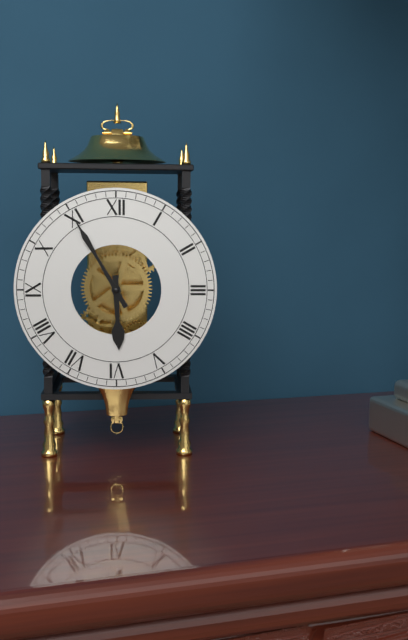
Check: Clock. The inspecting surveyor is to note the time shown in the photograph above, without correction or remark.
5:55
